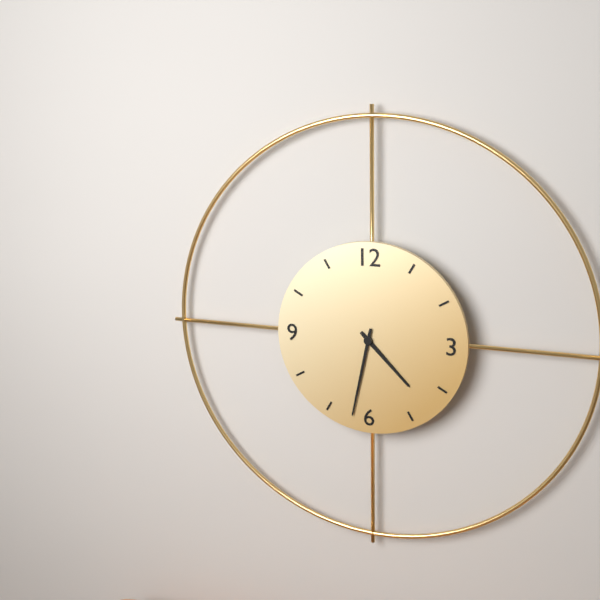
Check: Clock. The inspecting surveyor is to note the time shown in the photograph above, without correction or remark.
4:32
